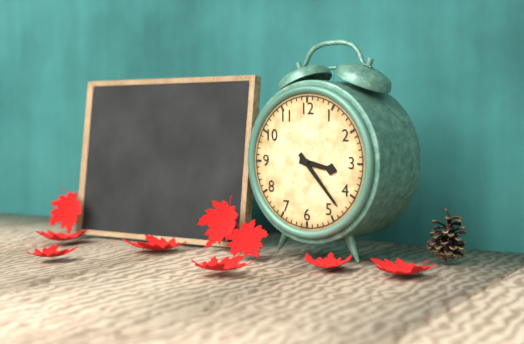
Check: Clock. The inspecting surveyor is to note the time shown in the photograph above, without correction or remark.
3:23
